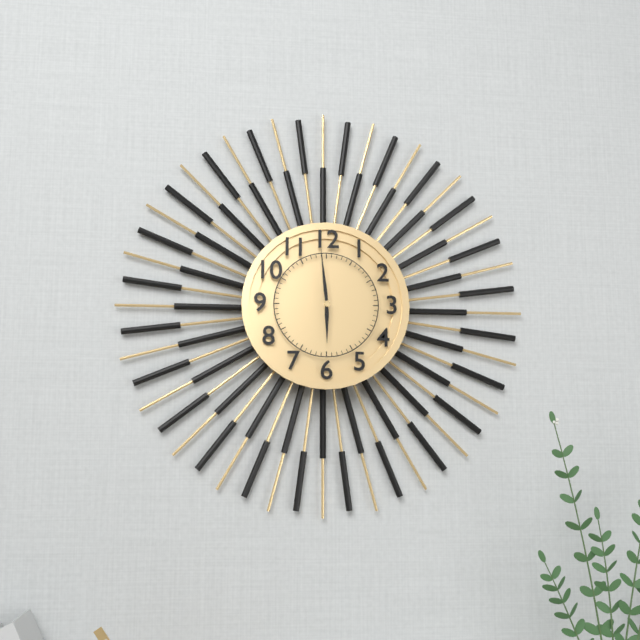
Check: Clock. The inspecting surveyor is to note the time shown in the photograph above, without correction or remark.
5:59
